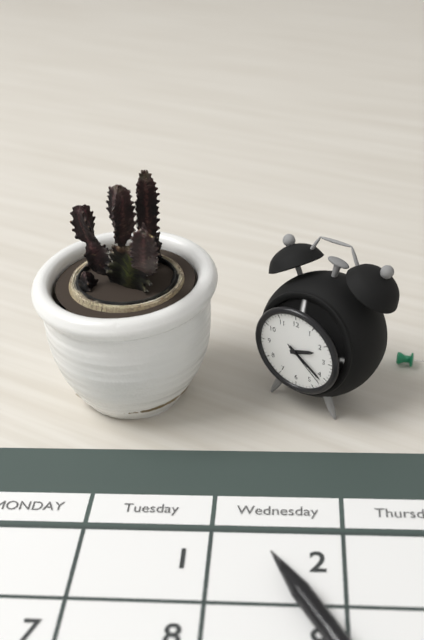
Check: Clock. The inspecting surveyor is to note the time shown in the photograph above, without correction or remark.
2:21
